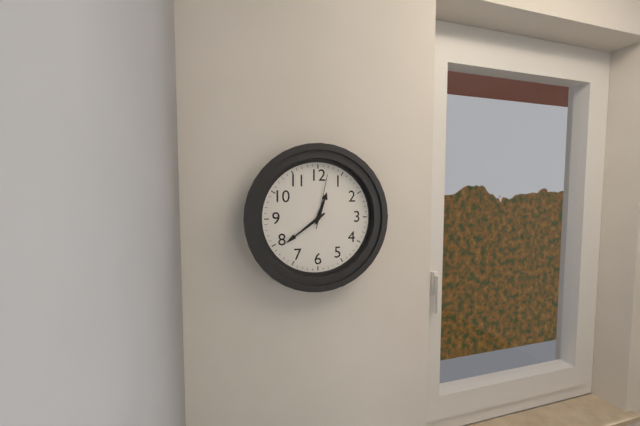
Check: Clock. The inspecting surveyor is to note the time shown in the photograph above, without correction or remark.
12:39:02
